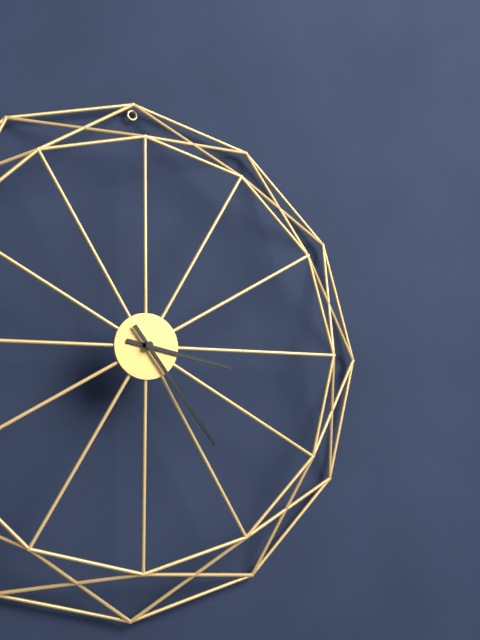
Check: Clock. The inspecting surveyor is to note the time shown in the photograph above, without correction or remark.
3:24
